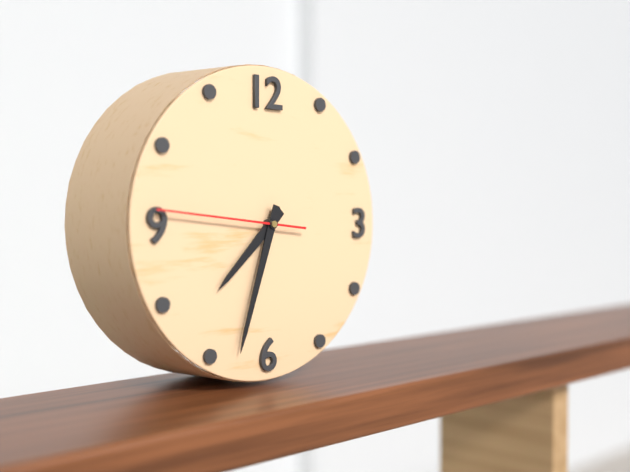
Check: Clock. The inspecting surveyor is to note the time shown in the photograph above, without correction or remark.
7:33:46
